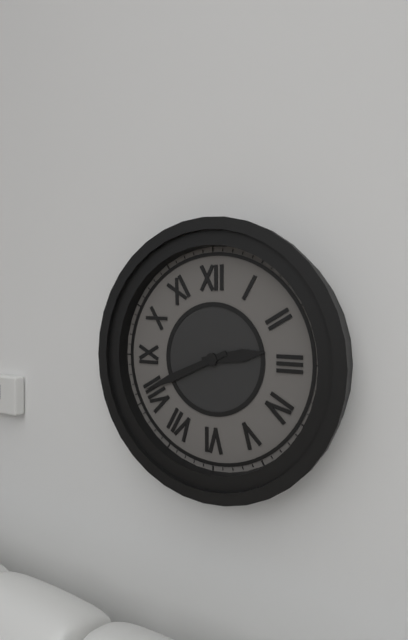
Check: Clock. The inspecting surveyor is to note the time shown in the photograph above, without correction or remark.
2:41
